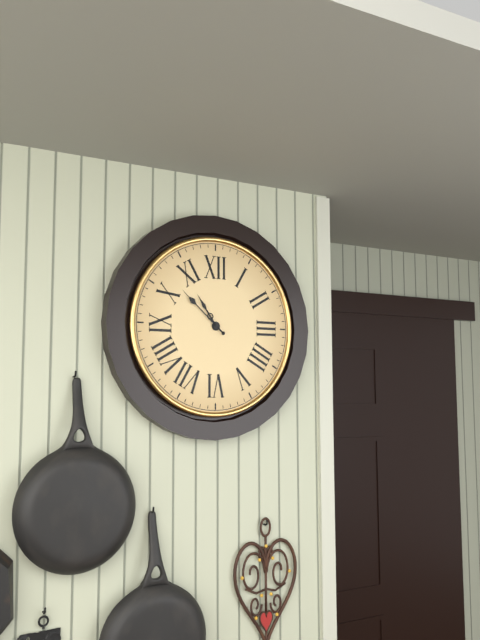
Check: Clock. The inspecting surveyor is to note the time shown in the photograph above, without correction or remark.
10:52
